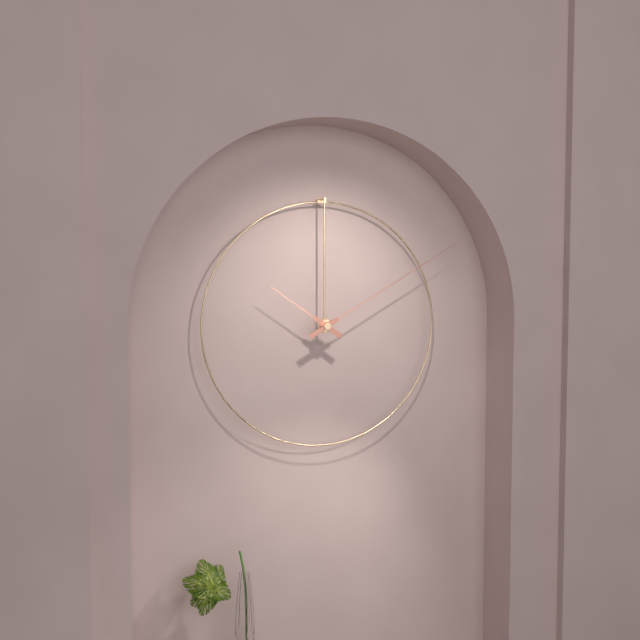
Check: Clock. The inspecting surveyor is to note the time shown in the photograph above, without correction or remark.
10:10
